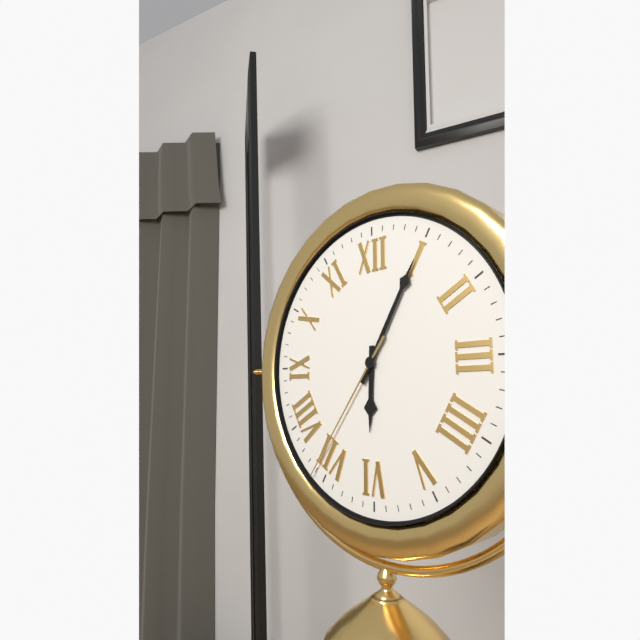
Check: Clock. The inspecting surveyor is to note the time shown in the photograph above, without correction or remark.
6:05:36
